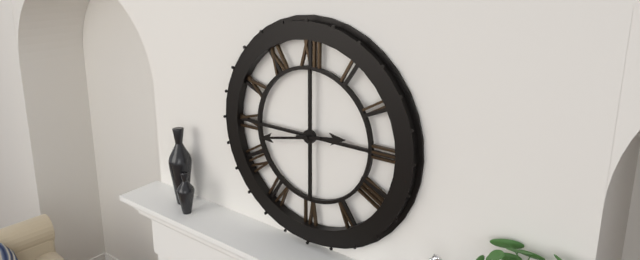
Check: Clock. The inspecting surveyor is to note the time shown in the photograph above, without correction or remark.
2:43
